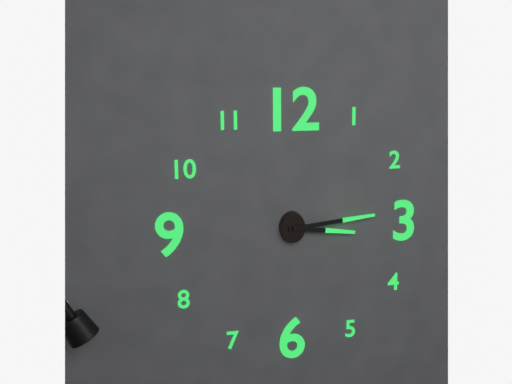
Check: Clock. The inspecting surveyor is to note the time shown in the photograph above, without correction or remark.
3:14
